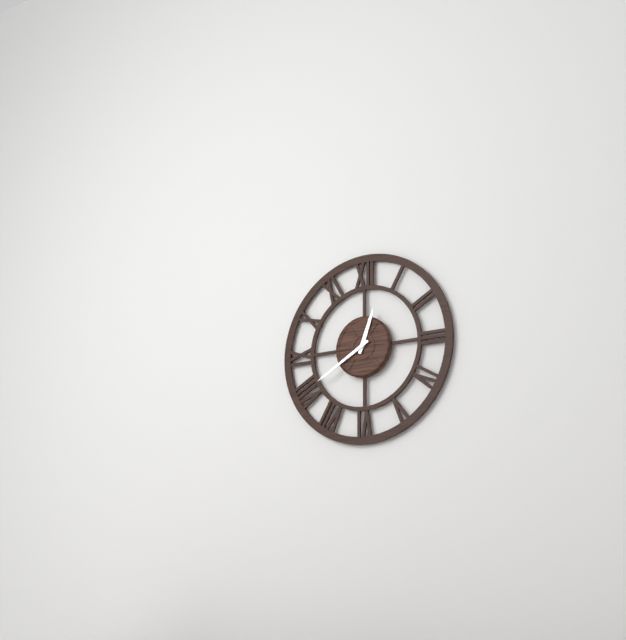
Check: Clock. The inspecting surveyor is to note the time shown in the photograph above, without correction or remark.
12:40
